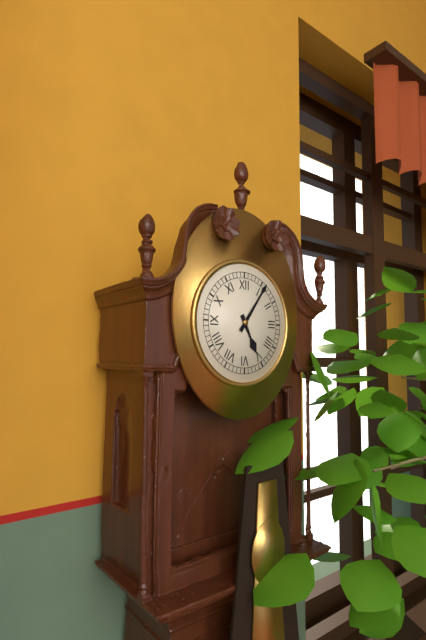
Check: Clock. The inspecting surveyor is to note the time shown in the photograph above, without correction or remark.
5:06
